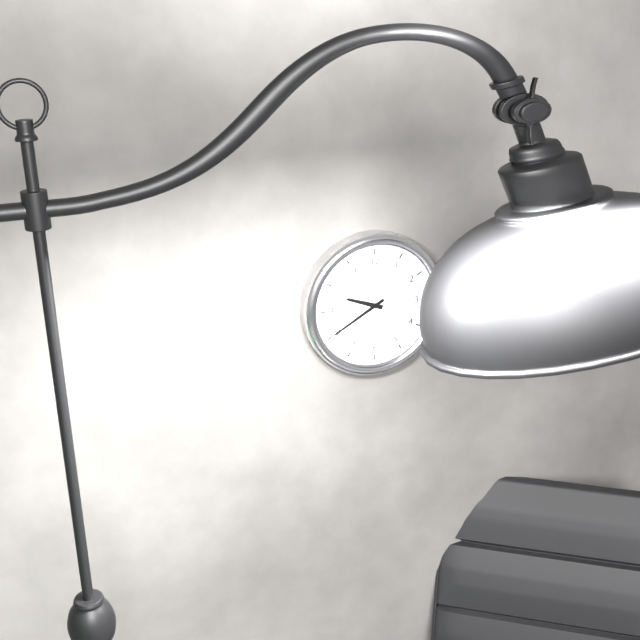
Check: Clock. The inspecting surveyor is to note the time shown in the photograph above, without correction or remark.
9:40
